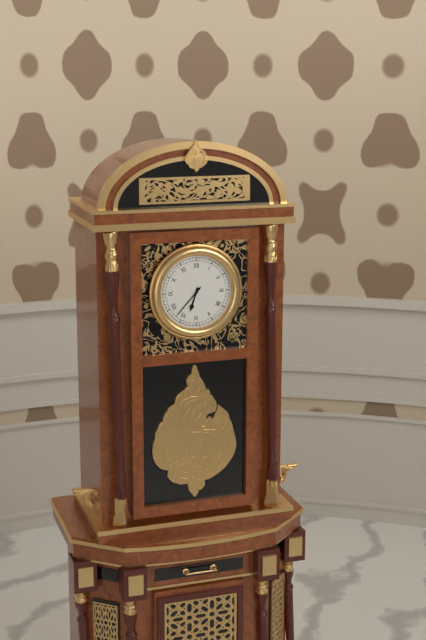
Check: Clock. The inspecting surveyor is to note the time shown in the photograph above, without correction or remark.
6:37
